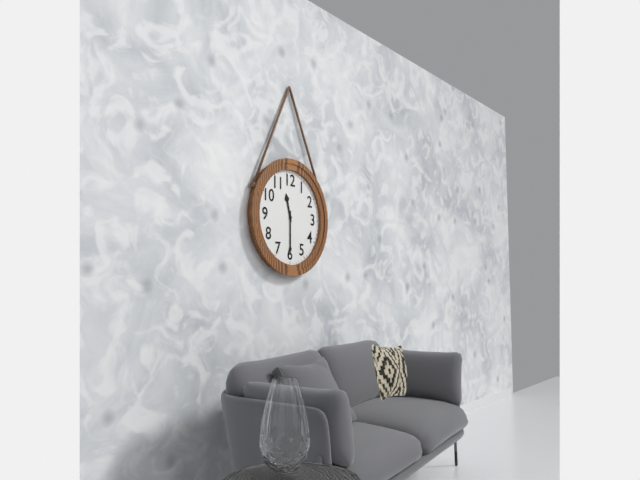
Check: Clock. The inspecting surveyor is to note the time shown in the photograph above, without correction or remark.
11:30
